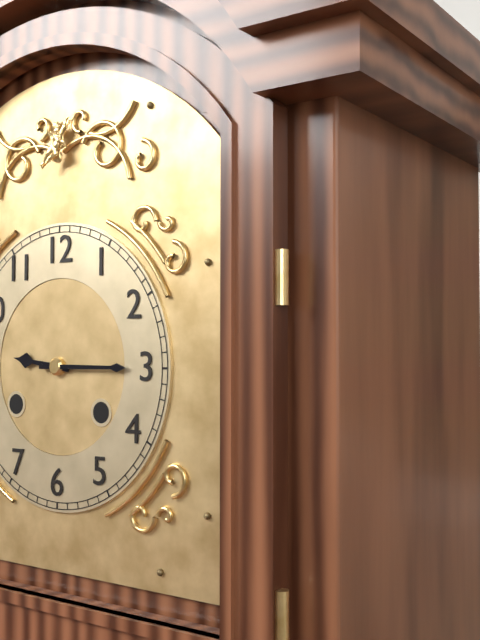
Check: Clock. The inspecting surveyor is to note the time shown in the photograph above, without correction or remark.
9:15
